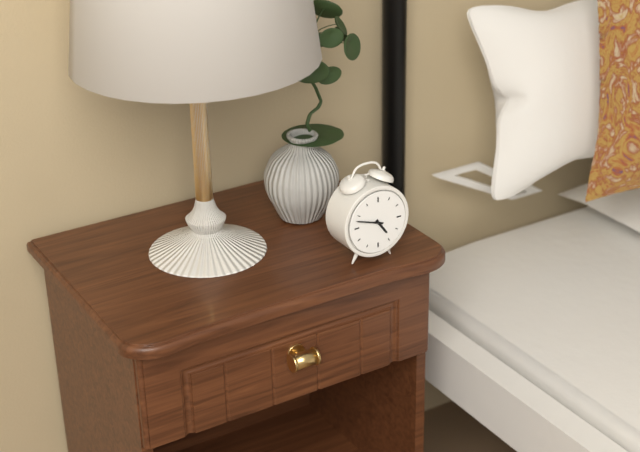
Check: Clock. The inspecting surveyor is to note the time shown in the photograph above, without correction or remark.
4:48
